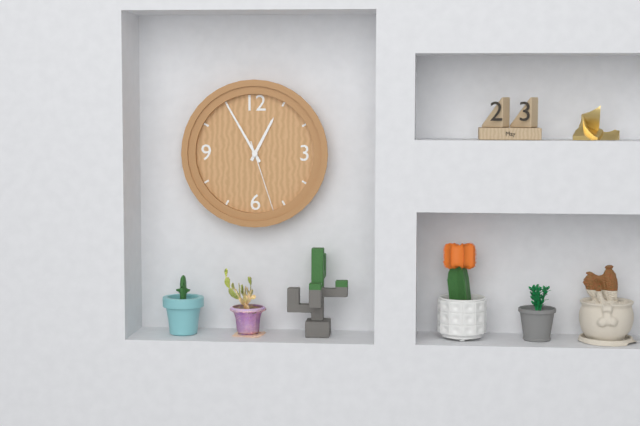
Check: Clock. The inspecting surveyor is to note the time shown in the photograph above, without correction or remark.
12:55:27
